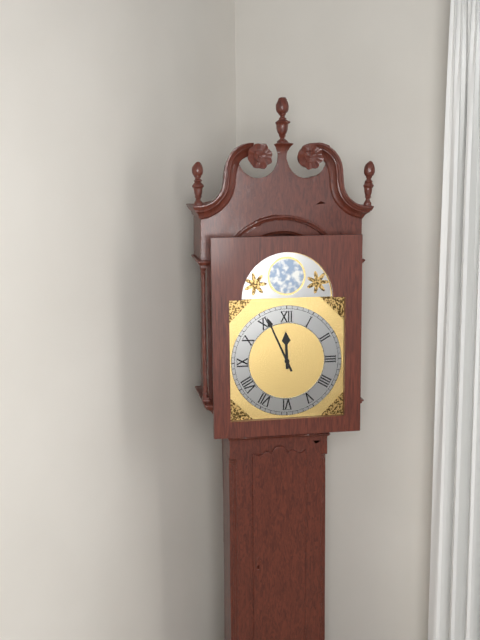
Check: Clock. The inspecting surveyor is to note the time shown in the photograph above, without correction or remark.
11:56
